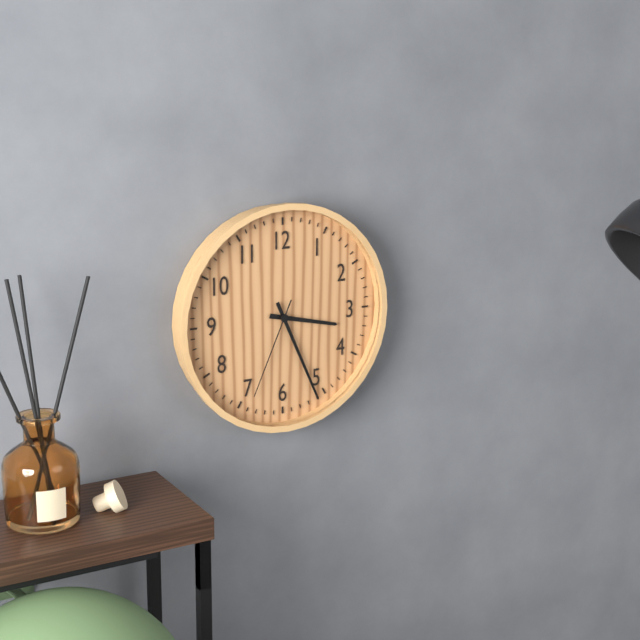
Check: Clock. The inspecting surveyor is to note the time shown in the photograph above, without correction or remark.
3:26:34
